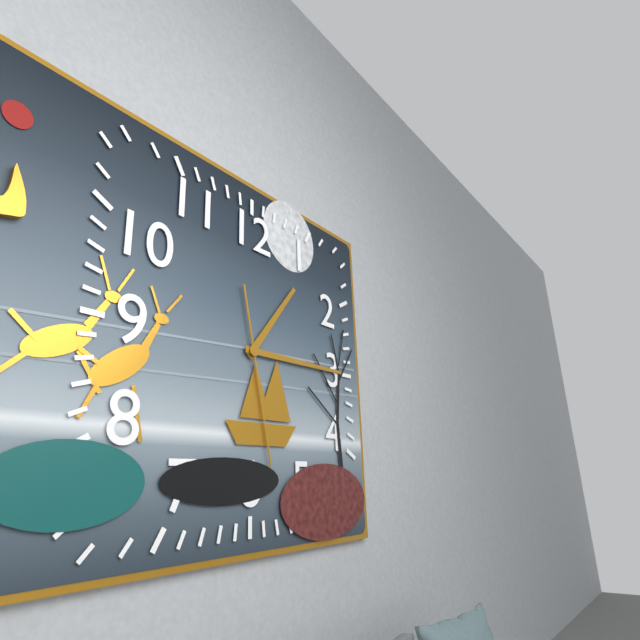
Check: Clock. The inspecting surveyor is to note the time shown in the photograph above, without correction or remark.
1:15:28
